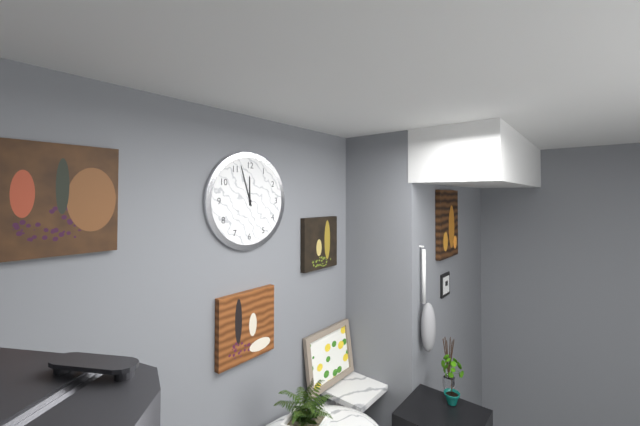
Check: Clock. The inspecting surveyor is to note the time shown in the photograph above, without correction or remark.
11:57
